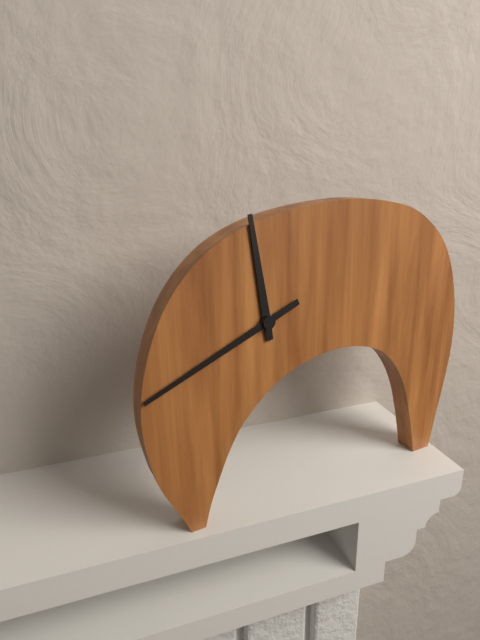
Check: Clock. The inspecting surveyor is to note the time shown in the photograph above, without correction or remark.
11:41
